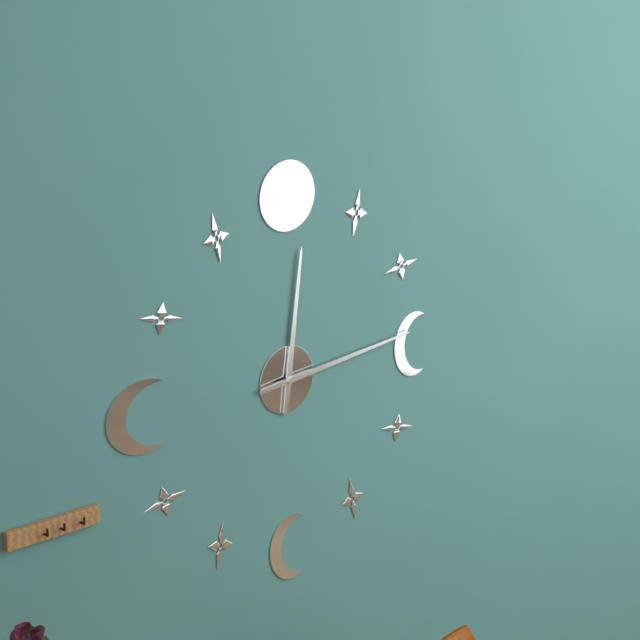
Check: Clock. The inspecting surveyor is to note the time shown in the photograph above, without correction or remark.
12:14
